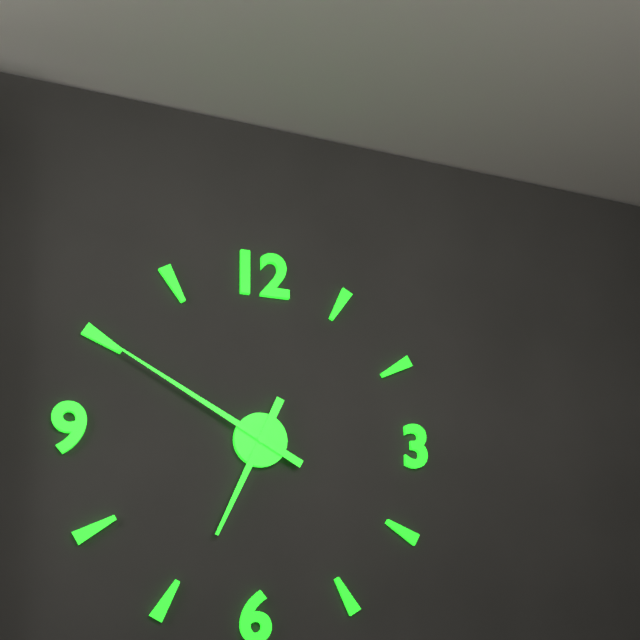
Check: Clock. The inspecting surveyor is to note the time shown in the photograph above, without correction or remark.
6:50
